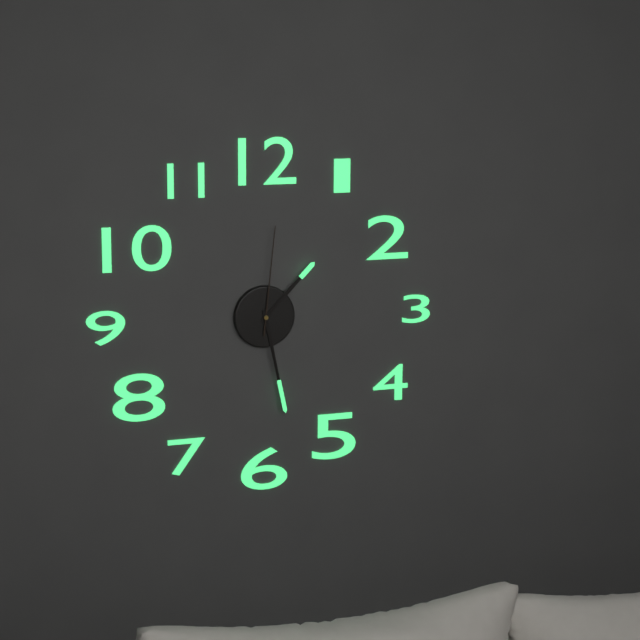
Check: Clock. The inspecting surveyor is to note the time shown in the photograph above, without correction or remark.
1:28:01
